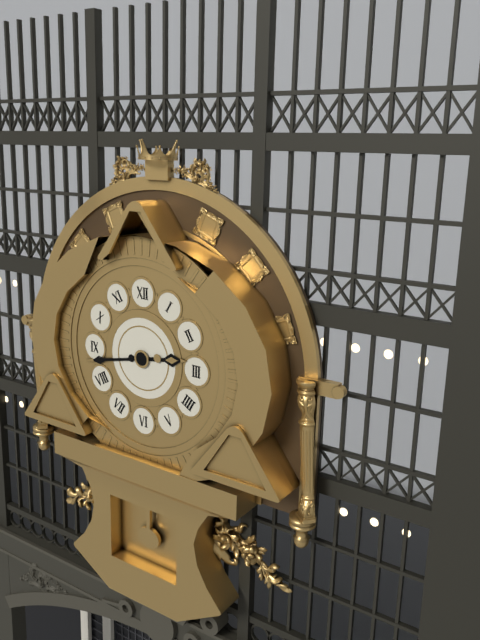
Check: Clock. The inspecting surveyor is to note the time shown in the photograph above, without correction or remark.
2:43
